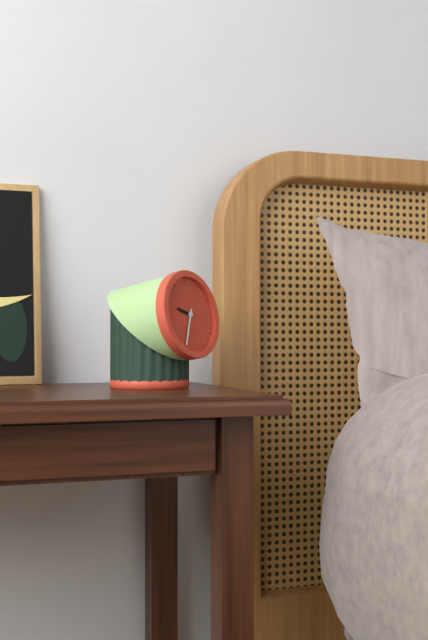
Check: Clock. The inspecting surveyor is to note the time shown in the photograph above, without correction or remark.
9:34
